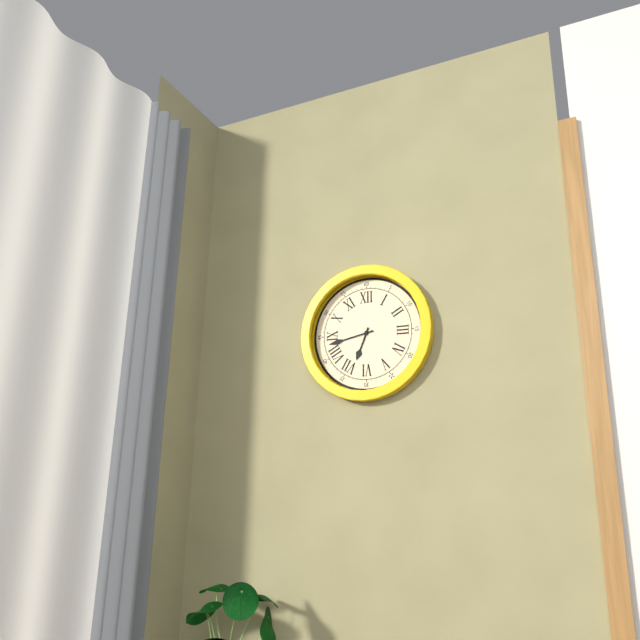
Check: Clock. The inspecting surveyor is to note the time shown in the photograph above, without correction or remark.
6:43
